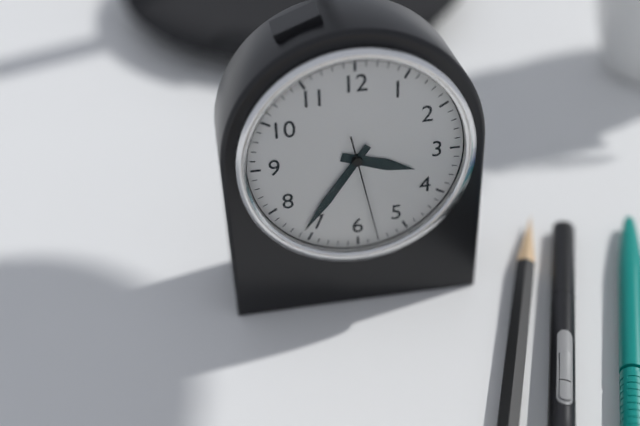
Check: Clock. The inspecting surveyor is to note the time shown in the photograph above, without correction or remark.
3:36:28
